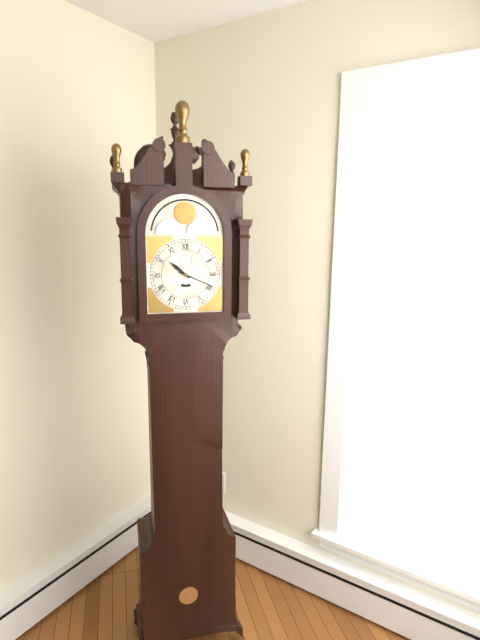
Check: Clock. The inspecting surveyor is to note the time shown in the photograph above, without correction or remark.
10:19
